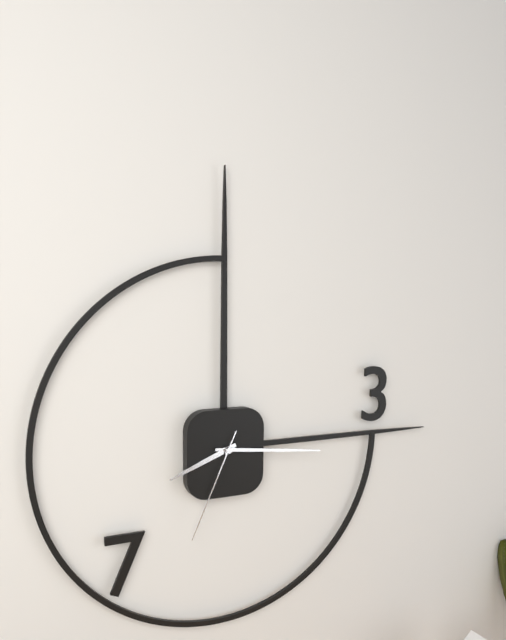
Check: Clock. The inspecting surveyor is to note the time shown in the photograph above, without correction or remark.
8:16:34
